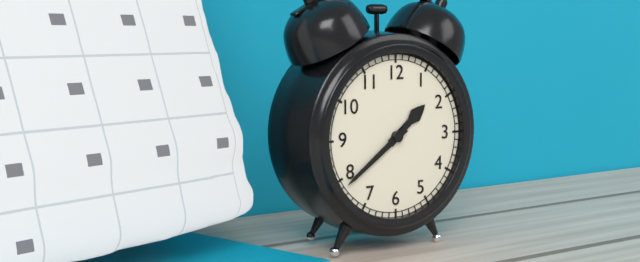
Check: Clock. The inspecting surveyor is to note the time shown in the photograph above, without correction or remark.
1:39
